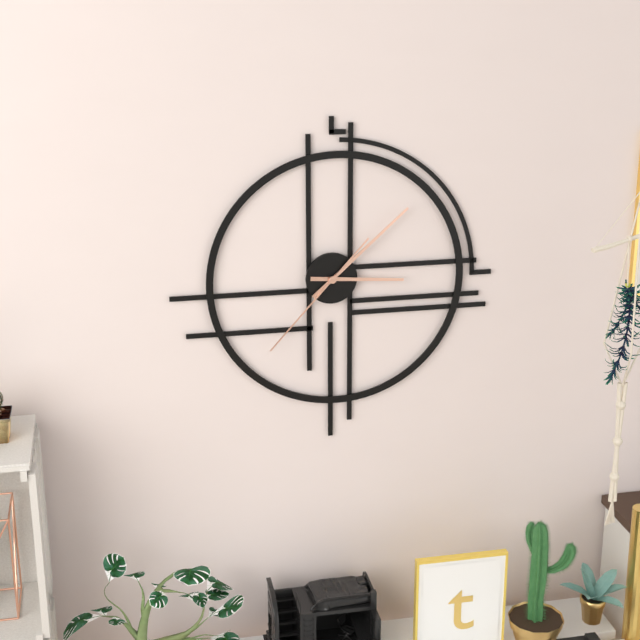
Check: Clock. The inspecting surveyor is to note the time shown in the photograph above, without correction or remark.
3:08:37
